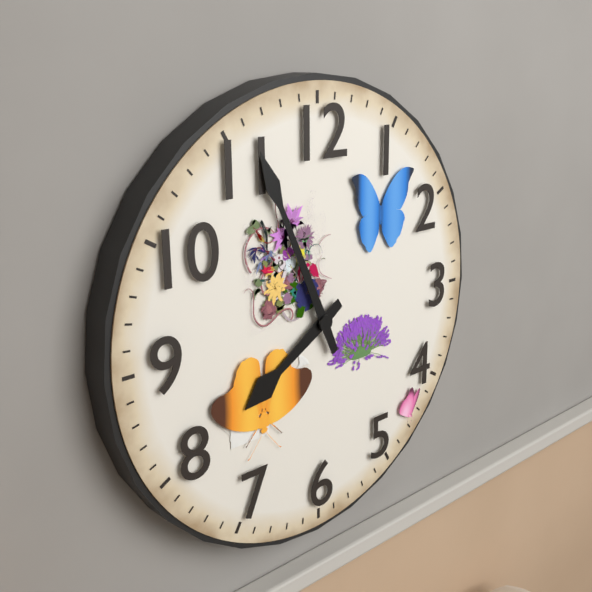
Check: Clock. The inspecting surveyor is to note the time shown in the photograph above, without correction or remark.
7:56
